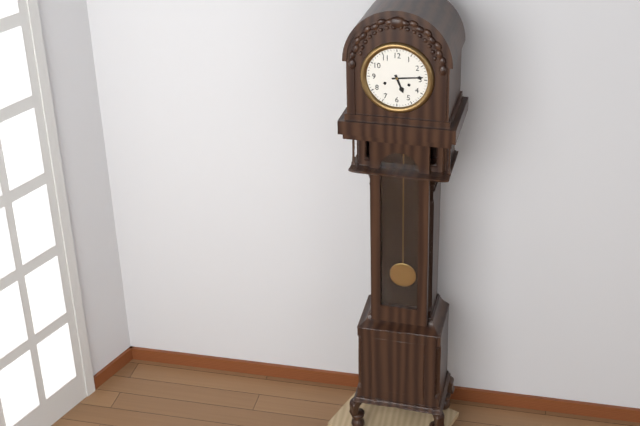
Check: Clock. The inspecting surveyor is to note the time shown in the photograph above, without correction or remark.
5:14
